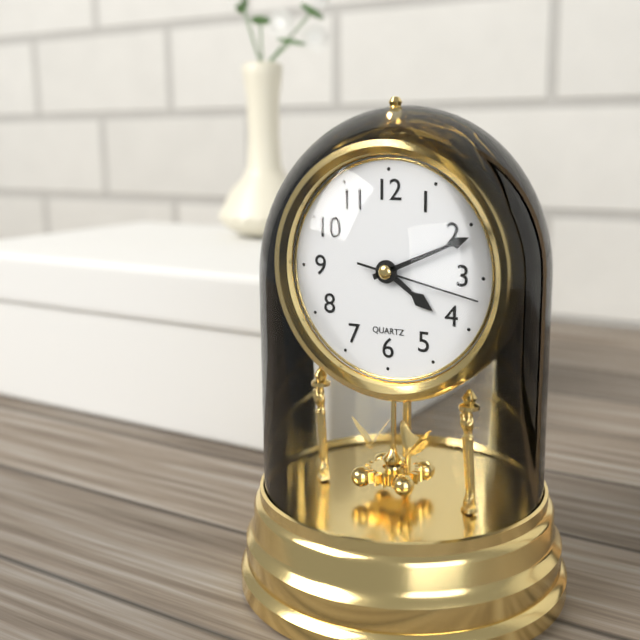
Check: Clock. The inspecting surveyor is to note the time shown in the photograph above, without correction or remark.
4:11:17
